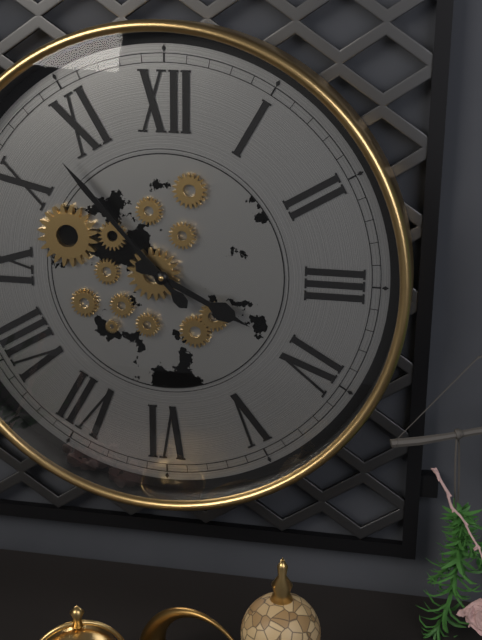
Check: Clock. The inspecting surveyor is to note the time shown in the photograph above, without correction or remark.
3:53
